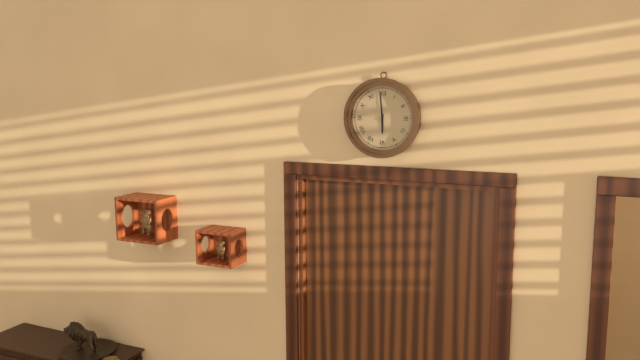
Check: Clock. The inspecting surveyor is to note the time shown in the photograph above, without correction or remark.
5:59
